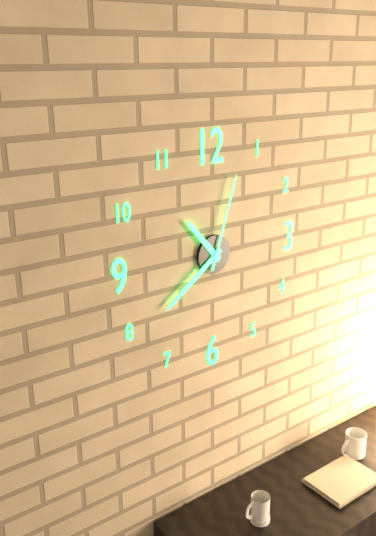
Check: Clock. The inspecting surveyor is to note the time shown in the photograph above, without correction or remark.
10:39:03
